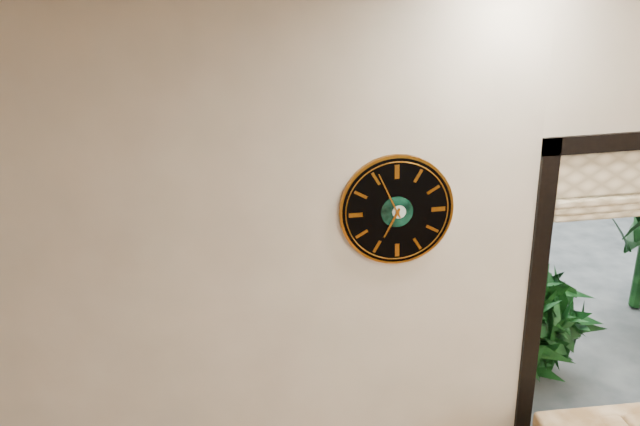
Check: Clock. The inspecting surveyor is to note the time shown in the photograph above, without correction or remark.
6:56
